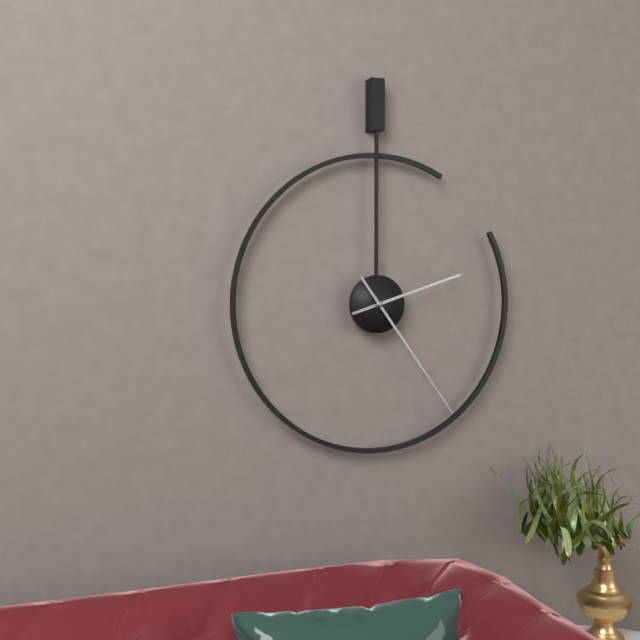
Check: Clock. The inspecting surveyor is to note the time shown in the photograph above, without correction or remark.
2:24
